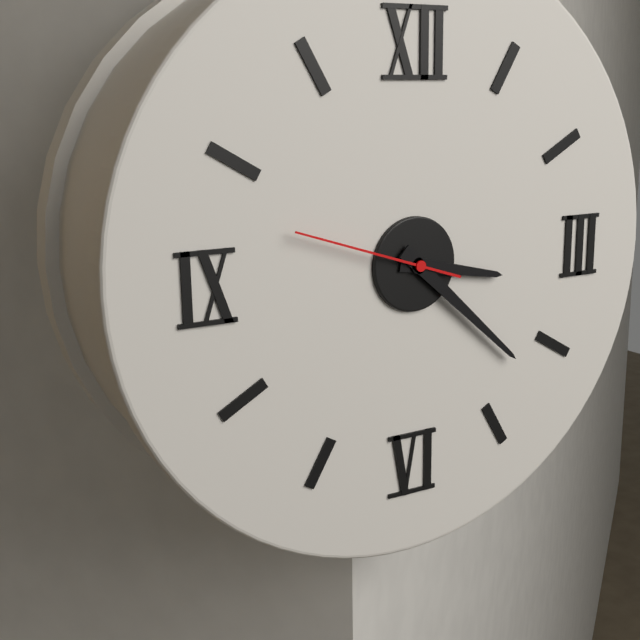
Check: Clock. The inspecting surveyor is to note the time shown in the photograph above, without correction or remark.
3:22:48
